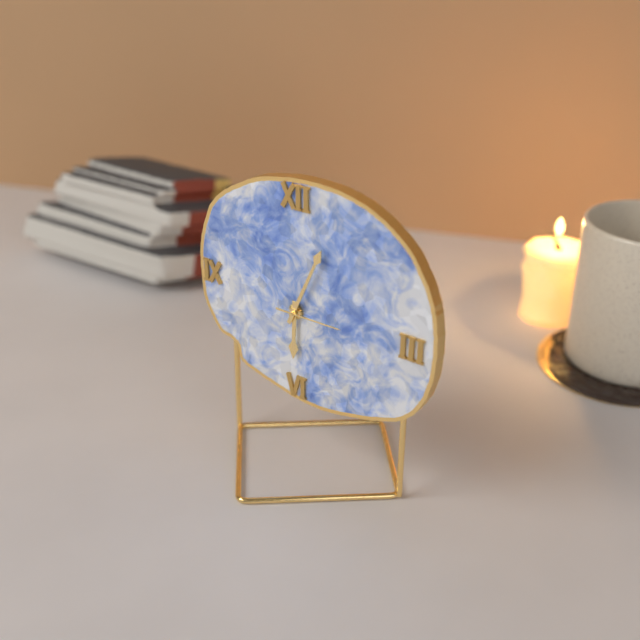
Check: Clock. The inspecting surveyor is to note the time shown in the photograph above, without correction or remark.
6:04:15
